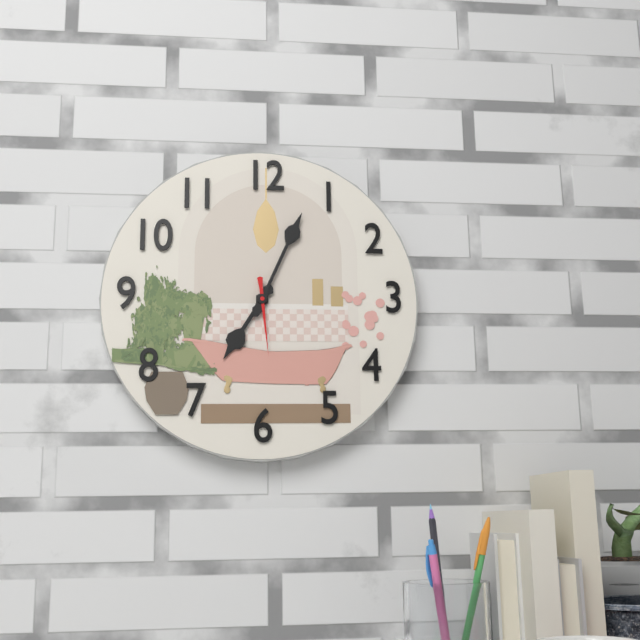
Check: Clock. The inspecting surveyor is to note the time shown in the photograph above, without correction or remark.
7:04:29
